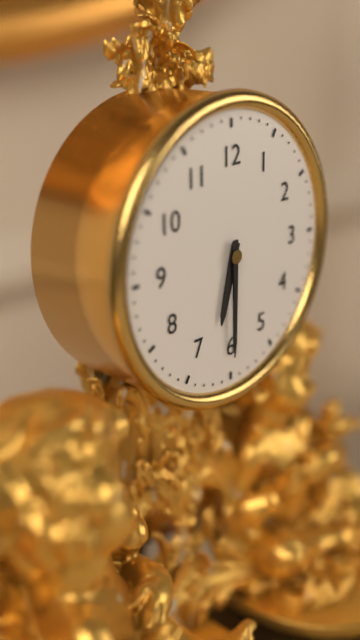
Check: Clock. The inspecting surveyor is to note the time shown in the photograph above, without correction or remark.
6:30
